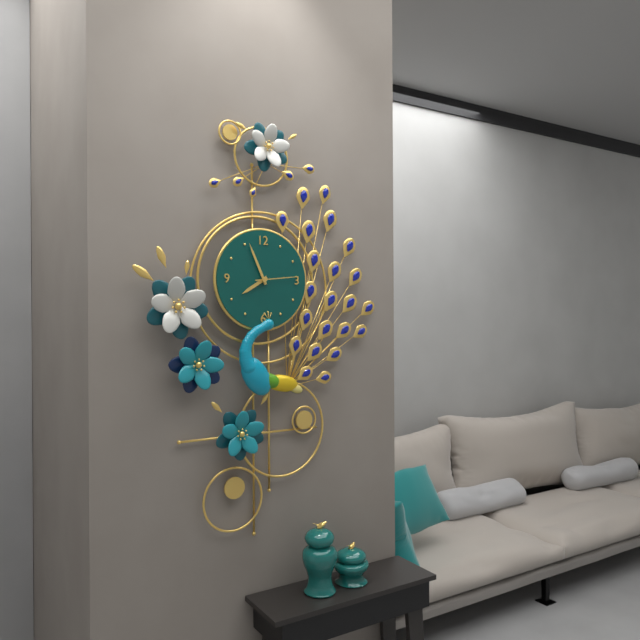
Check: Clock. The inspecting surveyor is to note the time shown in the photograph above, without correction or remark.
7:56
